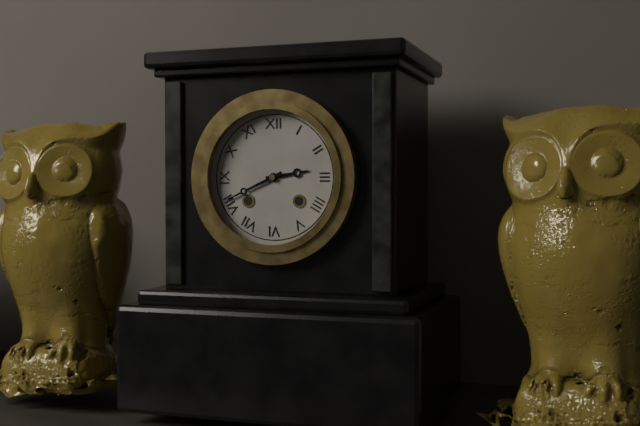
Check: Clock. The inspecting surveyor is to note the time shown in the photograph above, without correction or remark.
2:41
